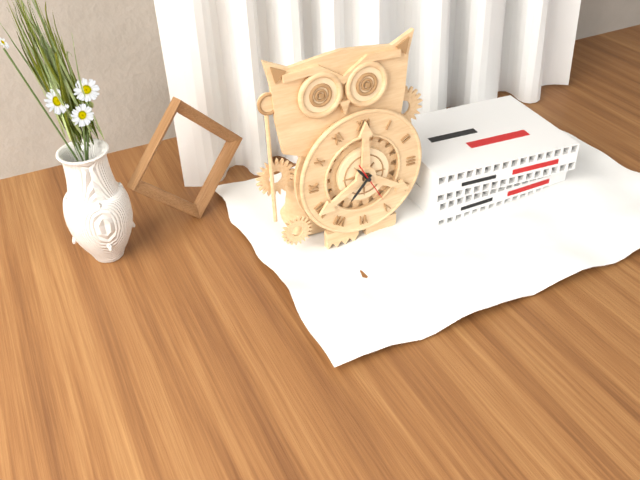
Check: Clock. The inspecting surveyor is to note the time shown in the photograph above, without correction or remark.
10:37
